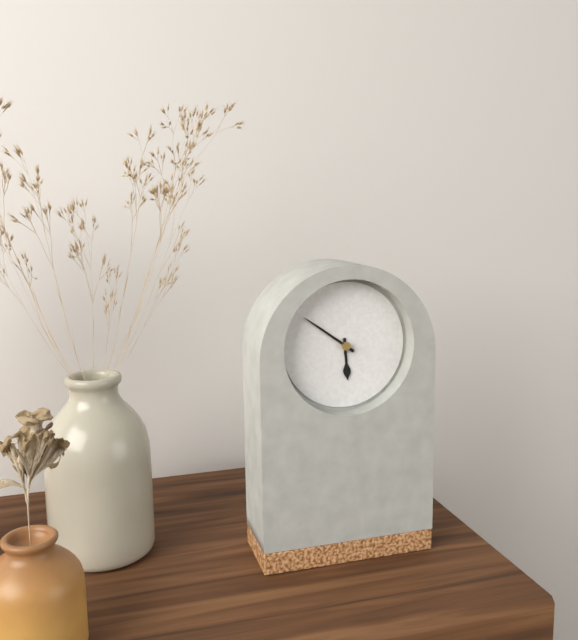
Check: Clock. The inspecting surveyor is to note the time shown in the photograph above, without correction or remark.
5:51
